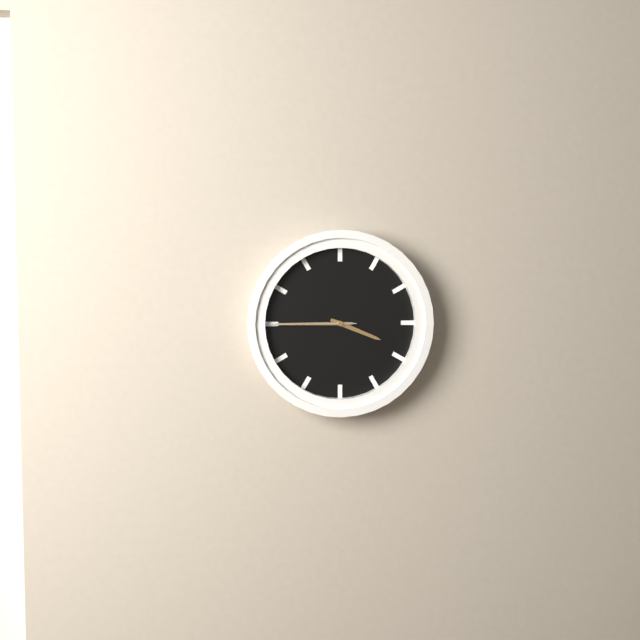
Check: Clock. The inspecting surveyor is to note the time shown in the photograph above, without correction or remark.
3:45:45
